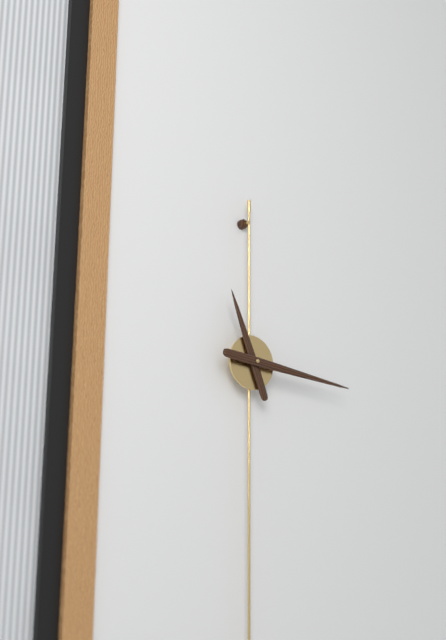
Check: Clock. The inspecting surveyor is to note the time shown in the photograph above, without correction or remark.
11:16
